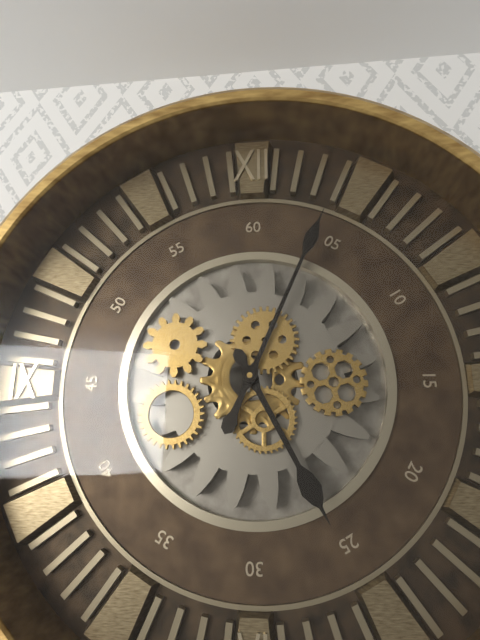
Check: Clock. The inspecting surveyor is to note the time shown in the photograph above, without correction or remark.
5:04
